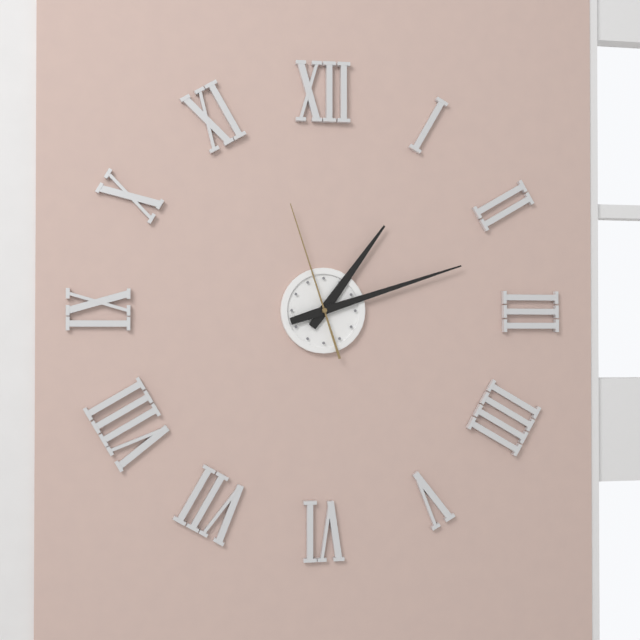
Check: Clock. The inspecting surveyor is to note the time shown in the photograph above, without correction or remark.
1:12:57
